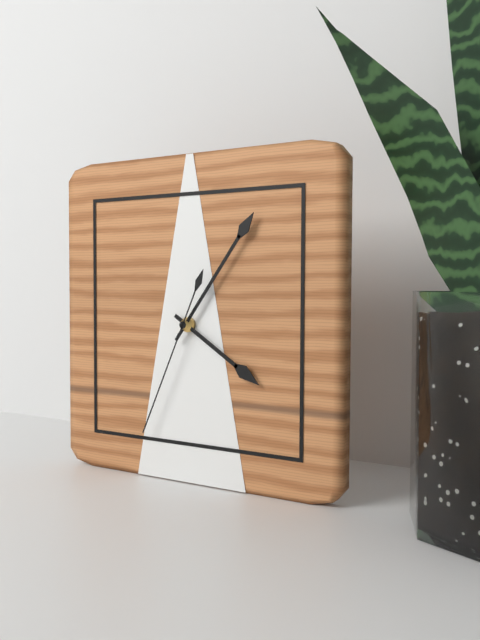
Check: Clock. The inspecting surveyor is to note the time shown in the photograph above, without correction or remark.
4:06:34
